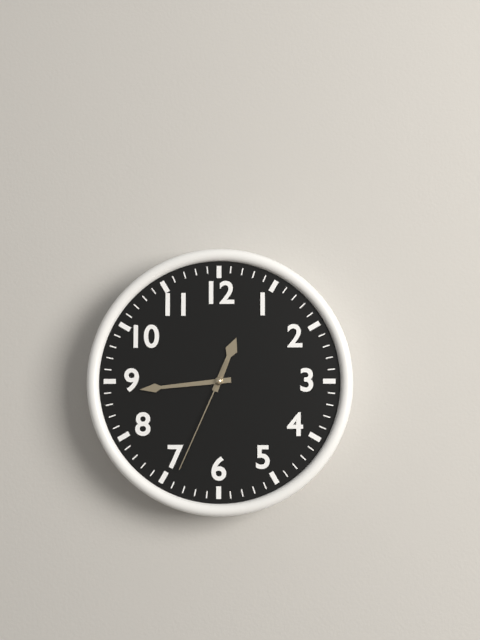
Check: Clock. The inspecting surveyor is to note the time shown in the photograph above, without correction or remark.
12:44:34
